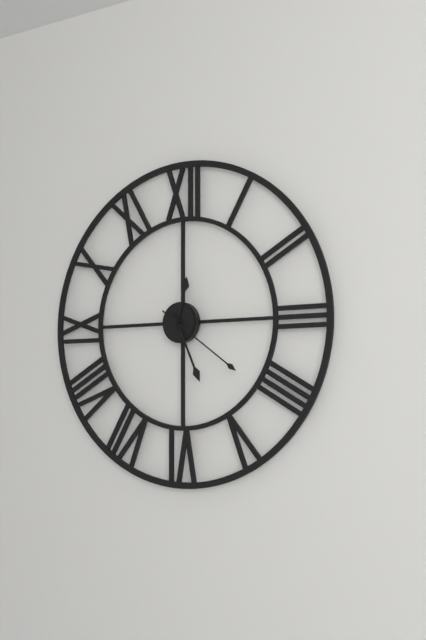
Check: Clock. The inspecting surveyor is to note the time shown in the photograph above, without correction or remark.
12:26:21
